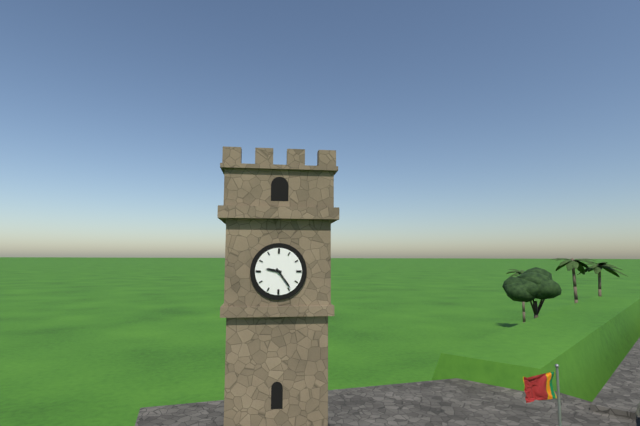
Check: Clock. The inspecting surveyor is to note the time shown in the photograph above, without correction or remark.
9:24
